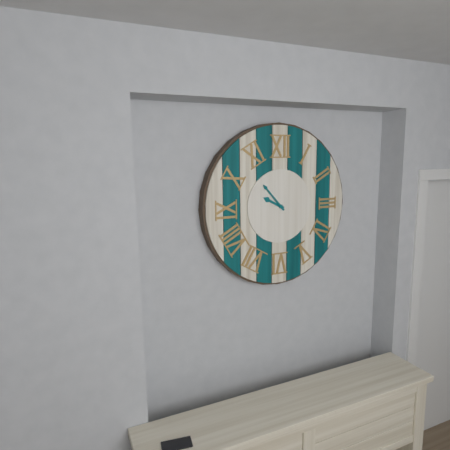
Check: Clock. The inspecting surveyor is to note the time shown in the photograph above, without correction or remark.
9:53
